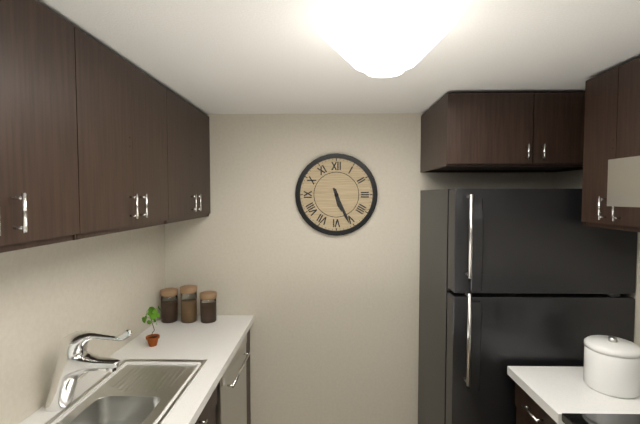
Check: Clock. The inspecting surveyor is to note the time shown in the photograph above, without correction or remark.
5:26
